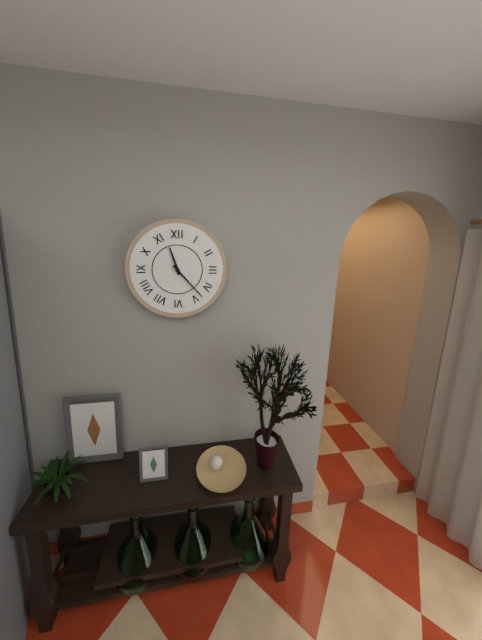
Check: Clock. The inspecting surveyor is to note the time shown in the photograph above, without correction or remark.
11:23
